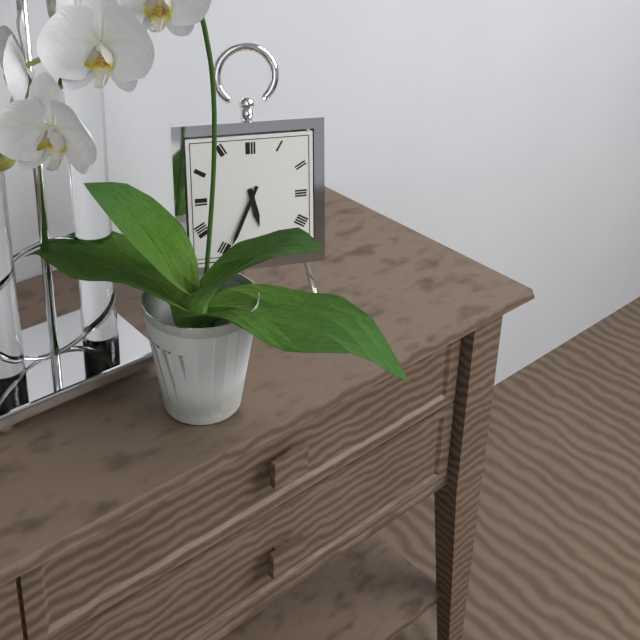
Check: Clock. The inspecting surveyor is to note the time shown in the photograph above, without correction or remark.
5:34
